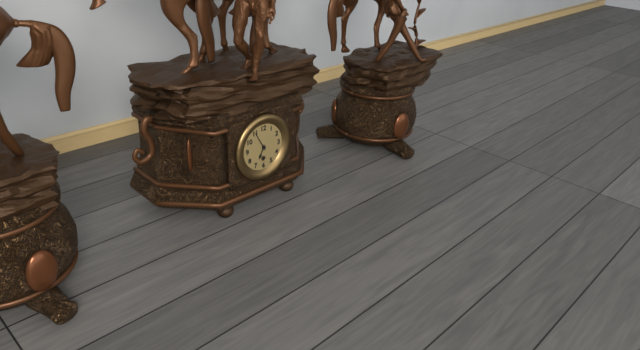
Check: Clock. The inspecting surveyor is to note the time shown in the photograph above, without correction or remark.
6:55
